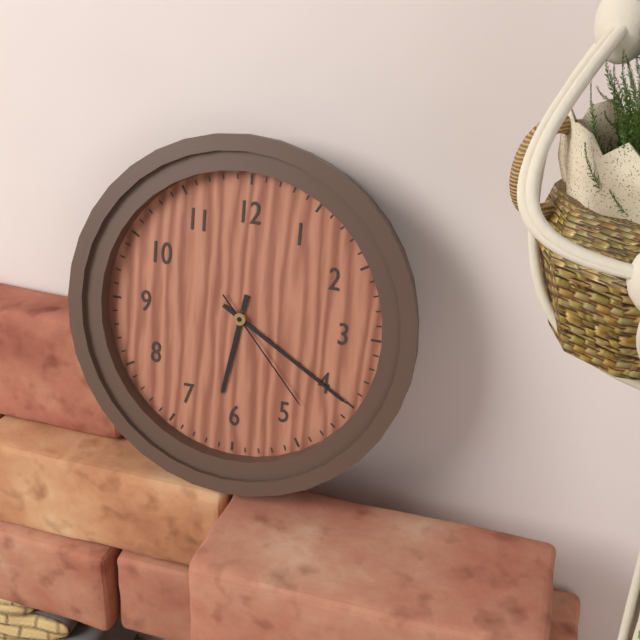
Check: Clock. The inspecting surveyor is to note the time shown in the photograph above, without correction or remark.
6:20:23
